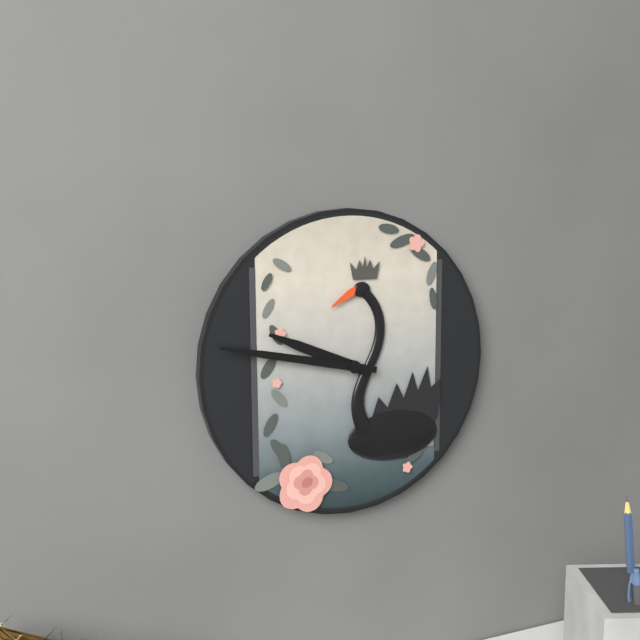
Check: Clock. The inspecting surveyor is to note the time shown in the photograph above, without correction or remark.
9:47
